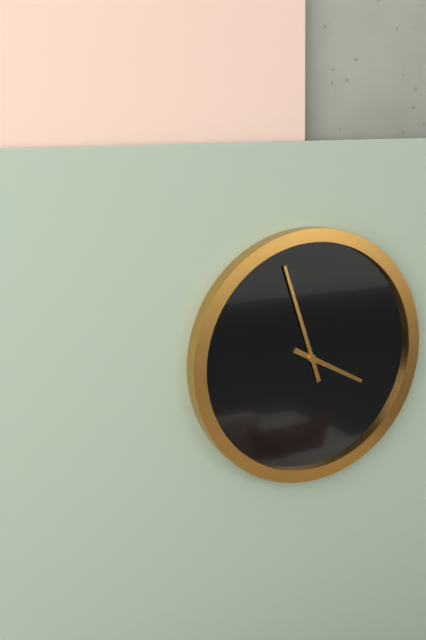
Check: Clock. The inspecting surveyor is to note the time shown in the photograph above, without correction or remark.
3:57
